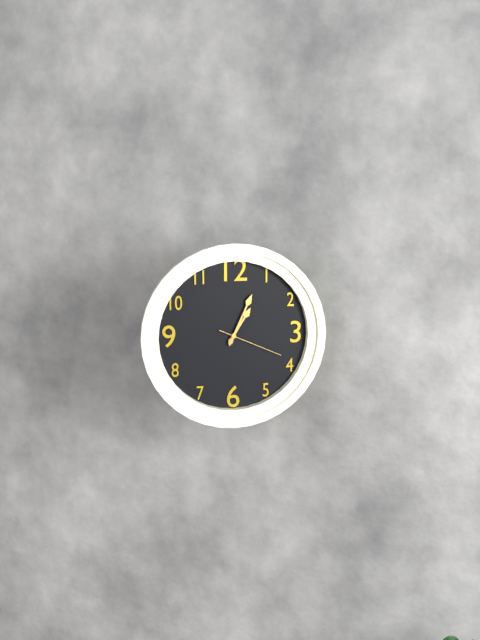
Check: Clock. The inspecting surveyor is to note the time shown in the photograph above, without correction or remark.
1:04:19
